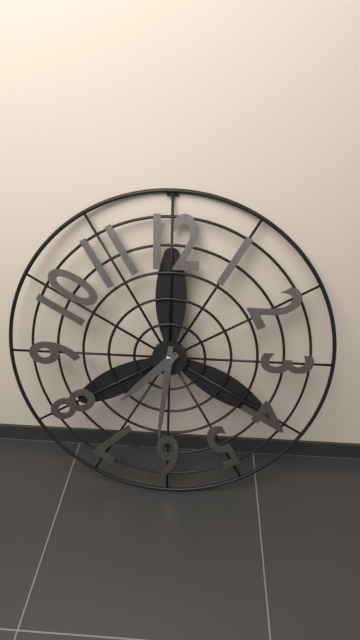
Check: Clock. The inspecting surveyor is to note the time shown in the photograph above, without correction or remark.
7:31
